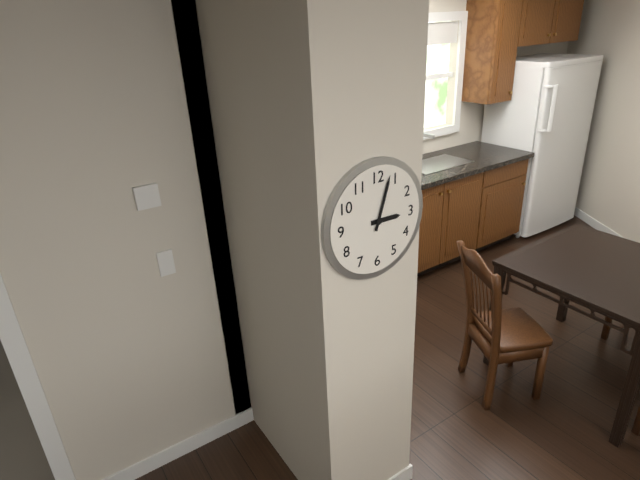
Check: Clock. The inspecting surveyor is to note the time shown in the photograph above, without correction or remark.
3:03
